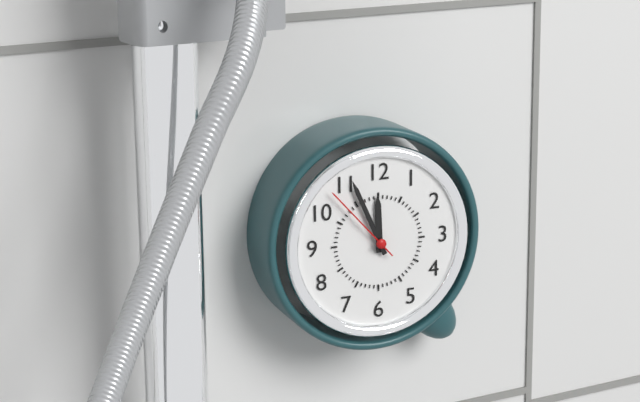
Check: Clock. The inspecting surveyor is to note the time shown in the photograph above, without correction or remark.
11:56:53
